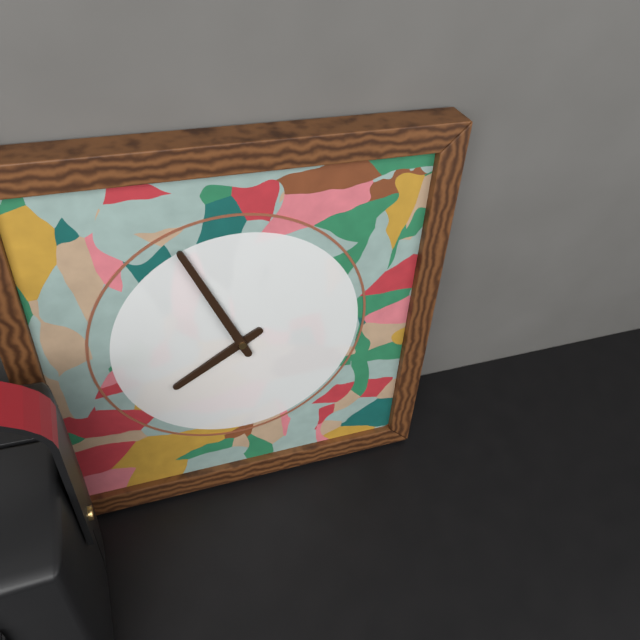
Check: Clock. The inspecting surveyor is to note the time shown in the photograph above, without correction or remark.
7:56
